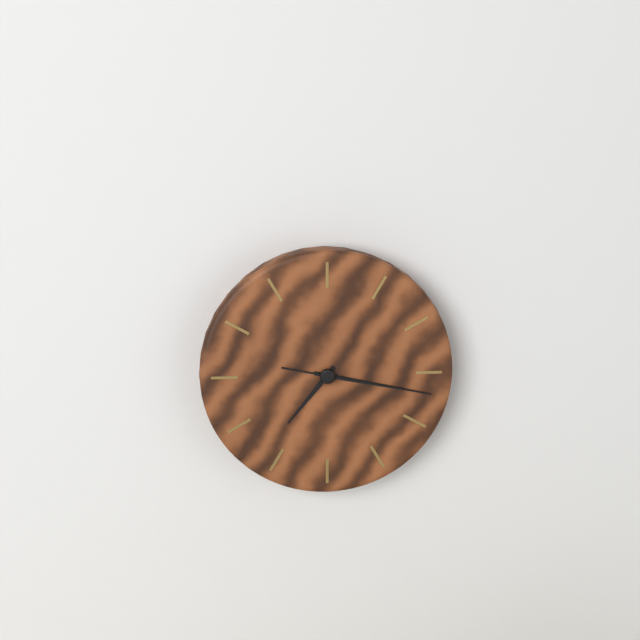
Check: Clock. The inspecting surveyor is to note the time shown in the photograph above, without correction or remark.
7:17:17
